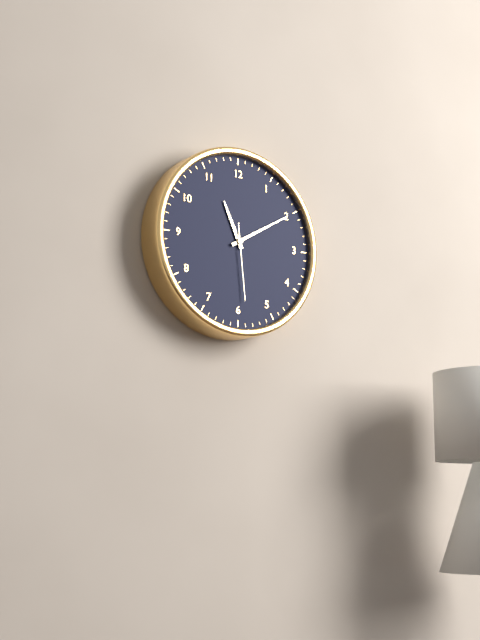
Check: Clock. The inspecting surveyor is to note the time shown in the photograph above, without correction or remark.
11:10:29
